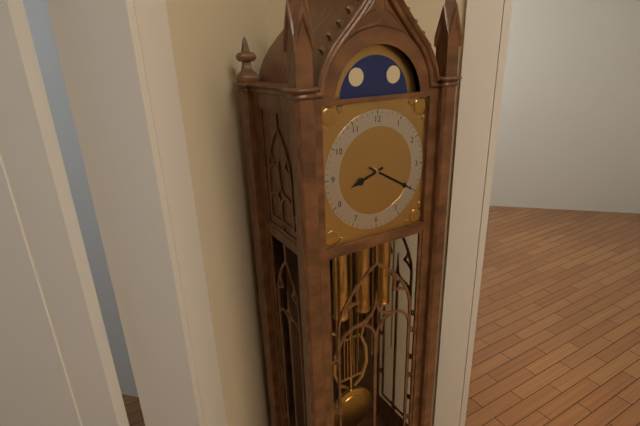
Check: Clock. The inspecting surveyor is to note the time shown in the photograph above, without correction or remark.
8:20
